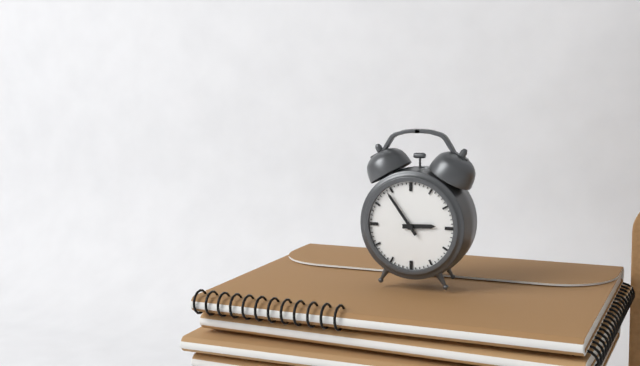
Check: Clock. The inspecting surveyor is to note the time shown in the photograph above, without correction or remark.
2:54
